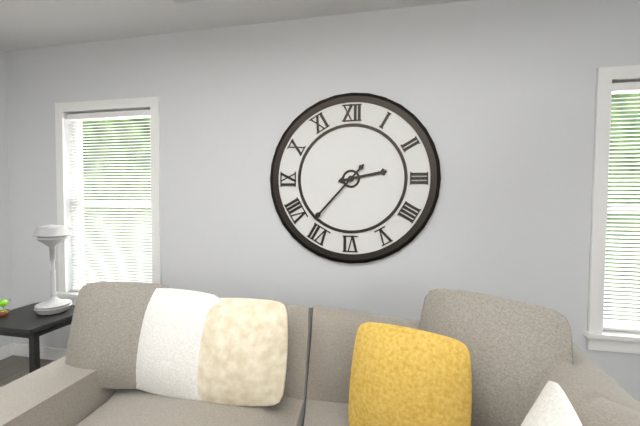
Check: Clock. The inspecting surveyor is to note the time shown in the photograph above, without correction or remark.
2:37
